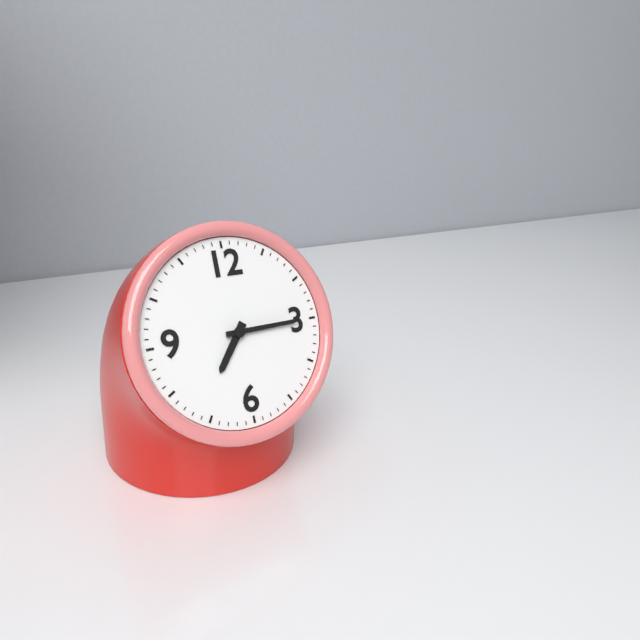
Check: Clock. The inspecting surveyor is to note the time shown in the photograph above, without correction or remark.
7:15
